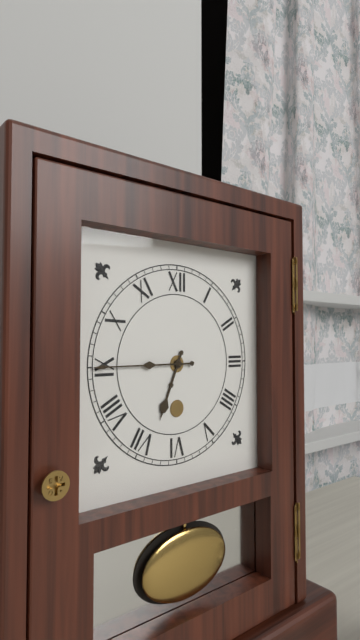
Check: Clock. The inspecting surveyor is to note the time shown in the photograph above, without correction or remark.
6:45
